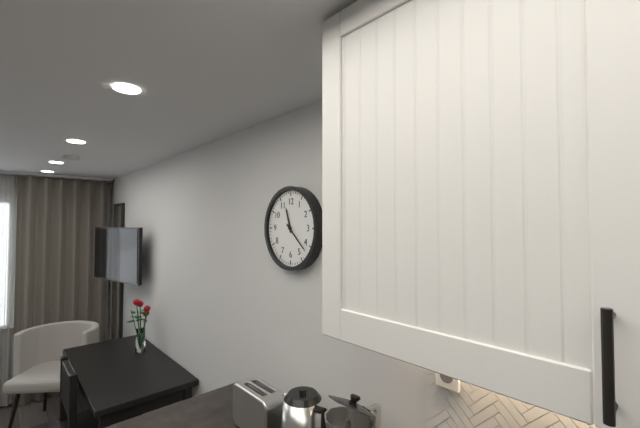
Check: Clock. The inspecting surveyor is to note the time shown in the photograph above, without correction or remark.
11:22
